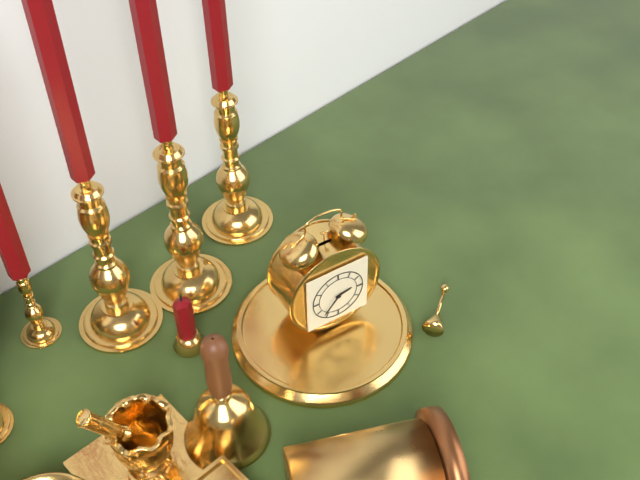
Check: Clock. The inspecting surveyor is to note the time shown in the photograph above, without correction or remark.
2:37
